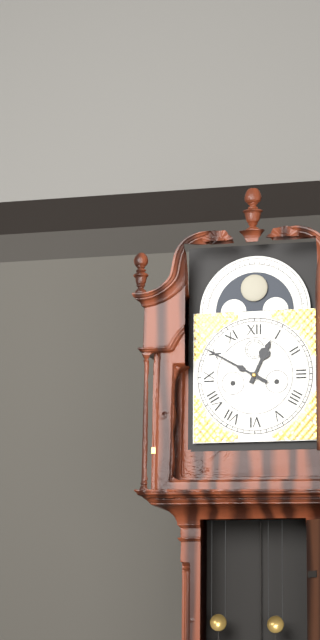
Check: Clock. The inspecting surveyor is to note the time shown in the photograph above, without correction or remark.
12:50
